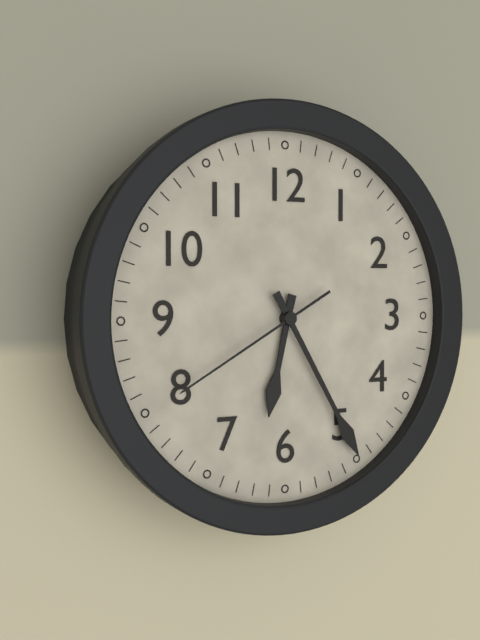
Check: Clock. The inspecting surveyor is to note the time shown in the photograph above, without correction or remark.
6:25:40
